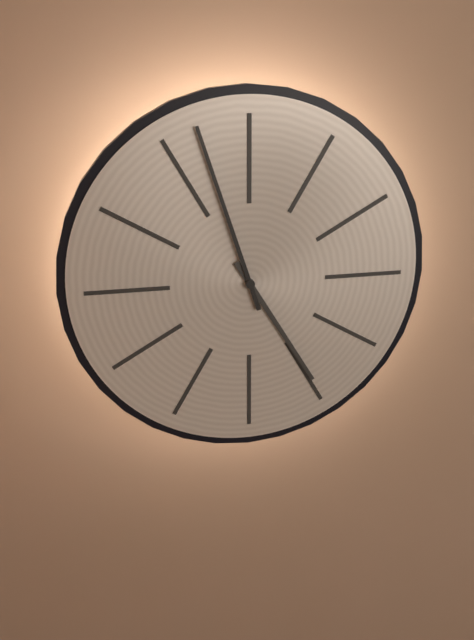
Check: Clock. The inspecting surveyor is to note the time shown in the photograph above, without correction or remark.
4:57
